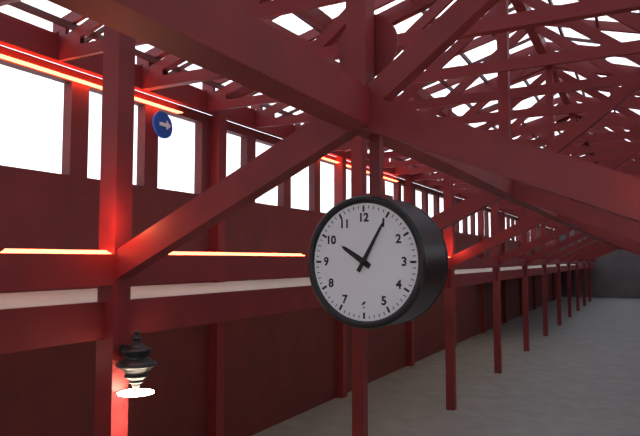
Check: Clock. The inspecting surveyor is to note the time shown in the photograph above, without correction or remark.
10:05
